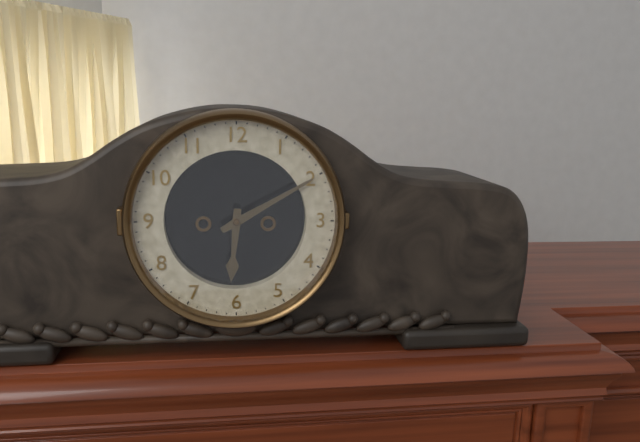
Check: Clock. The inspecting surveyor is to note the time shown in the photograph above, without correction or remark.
6:10
